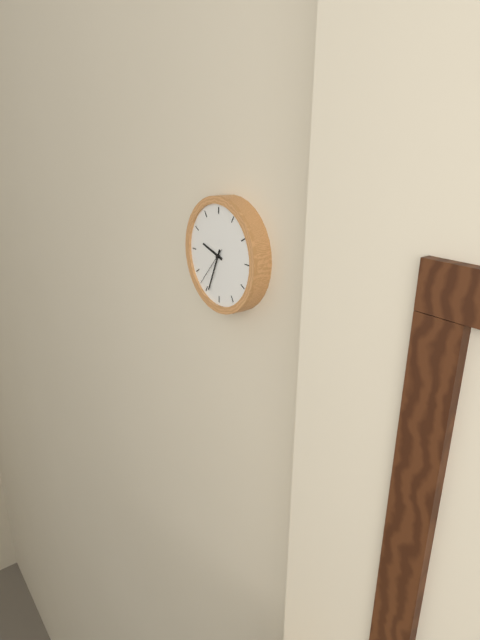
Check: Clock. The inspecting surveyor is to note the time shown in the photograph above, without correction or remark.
9:34
